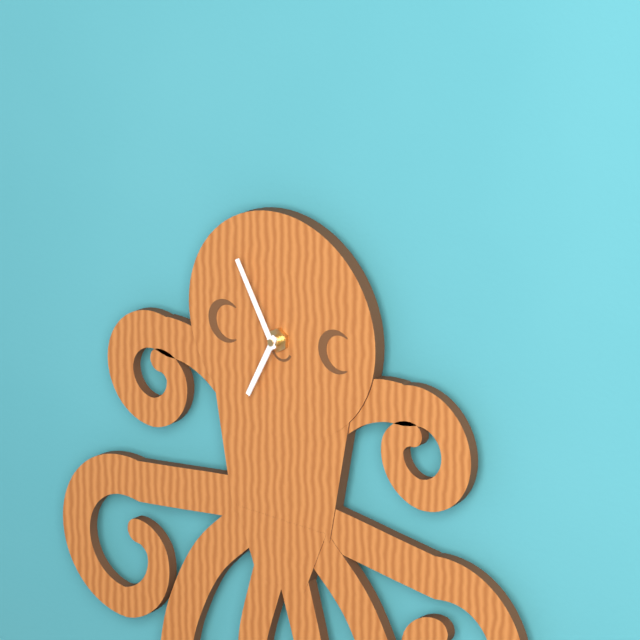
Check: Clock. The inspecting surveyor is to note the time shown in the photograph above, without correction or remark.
6:55
